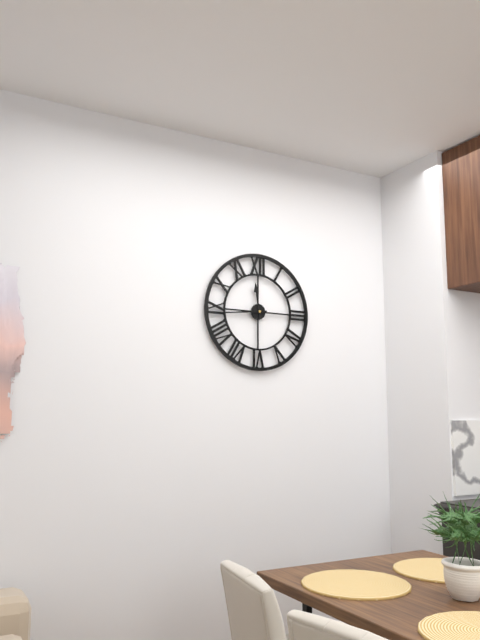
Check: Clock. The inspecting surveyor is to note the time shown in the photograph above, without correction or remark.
11:44
